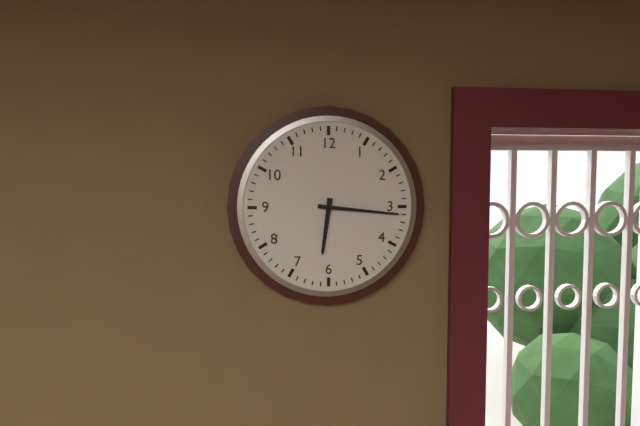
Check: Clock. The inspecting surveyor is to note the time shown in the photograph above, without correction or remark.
6:16
